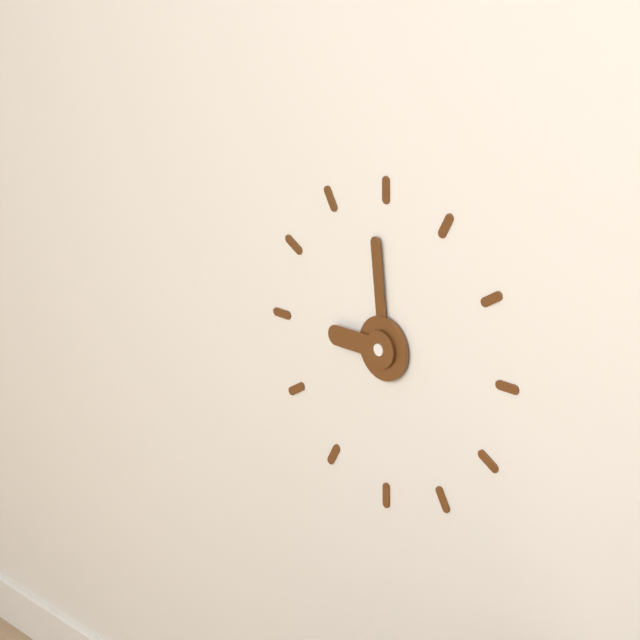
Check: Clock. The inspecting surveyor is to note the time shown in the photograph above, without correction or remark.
8:59
